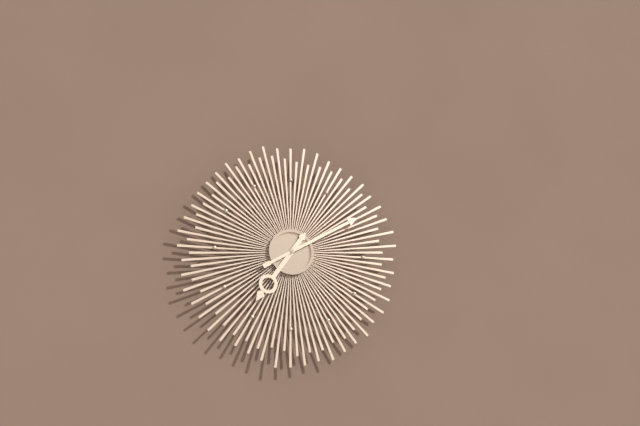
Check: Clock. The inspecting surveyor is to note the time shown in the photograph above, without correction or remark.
7:10
